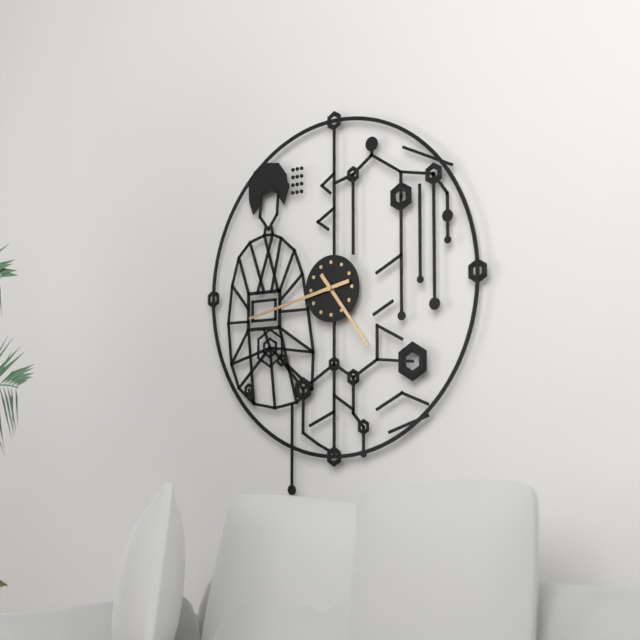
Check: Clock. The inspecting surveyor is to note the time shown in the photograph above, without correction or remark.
4:43
